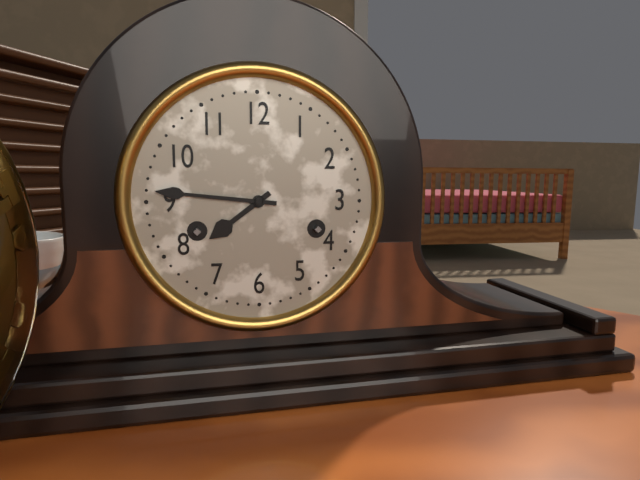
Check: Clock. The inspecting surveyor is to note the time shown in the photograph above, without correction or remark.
7:46
